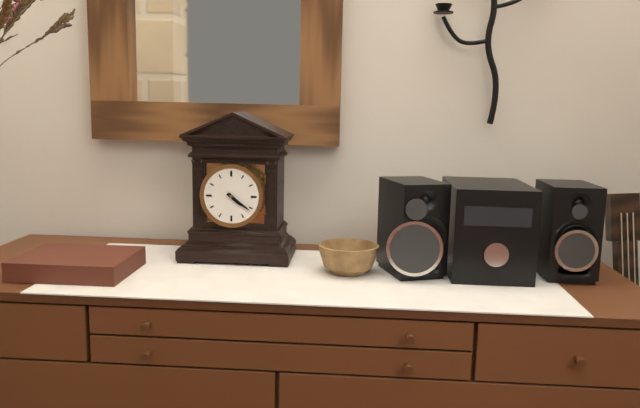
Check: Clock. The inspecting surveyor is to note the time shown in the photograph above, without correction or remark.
4:21
